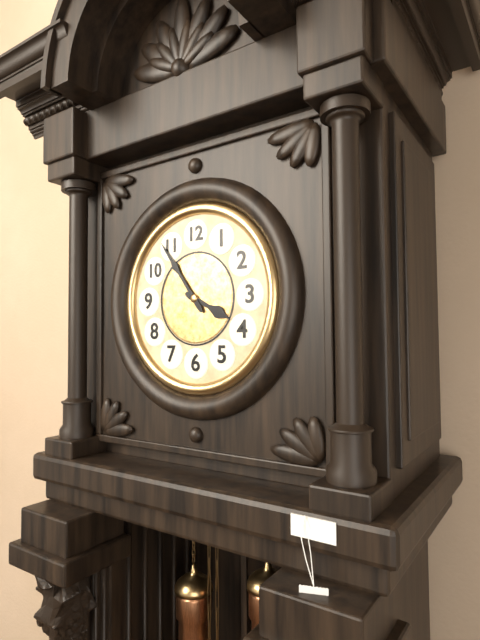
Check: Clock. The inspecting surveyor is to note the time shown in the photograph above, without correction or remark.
3:54
